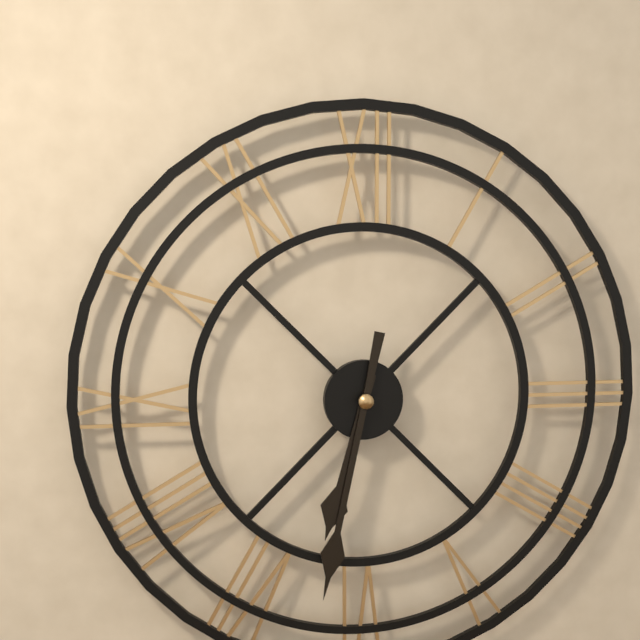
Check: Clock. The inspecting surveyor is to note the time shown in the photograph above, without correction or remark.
6:32
